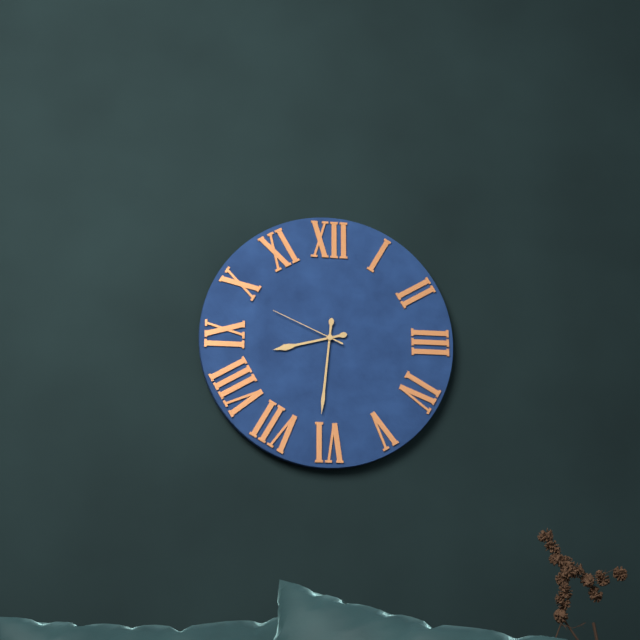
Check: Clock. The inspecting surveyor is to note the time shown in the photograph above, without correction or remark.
8:31:49
